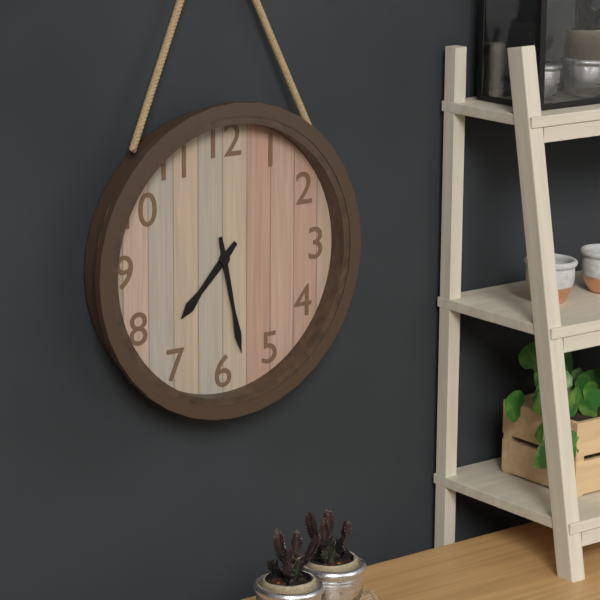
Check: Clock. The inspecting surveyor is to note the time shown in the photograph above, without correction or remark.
7:28
